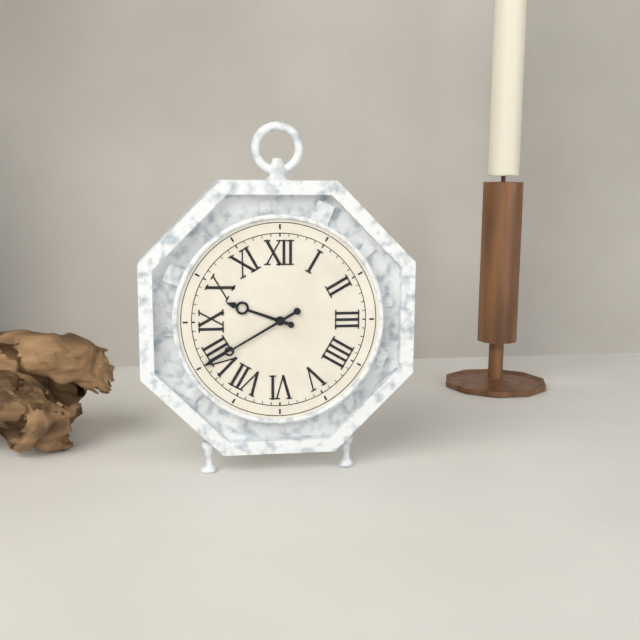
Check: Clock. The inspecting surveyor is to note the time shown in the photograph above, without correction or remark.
9:40
